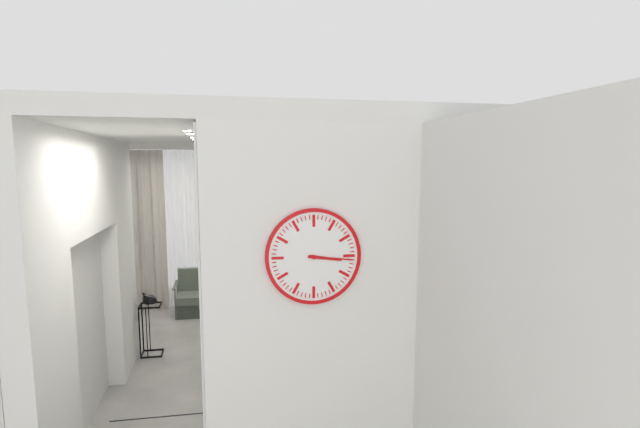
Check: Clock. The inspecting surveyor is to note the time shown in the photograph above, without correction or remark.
3:16
